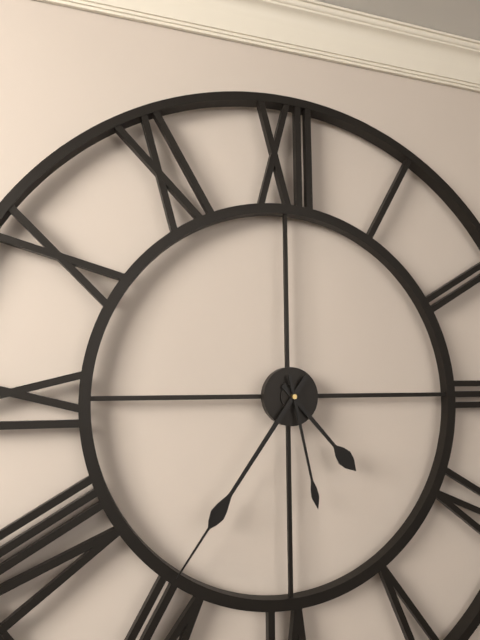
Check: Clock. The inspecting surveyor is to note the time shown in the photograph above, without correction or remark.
4:36:28
